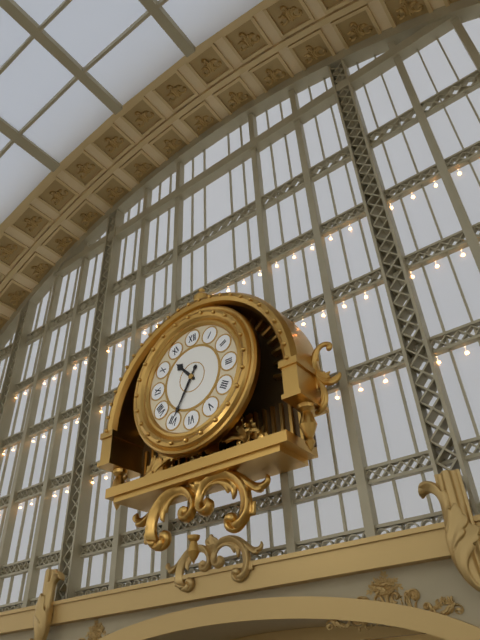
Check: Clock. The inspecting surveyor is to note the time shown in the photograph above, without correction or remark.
10:35
